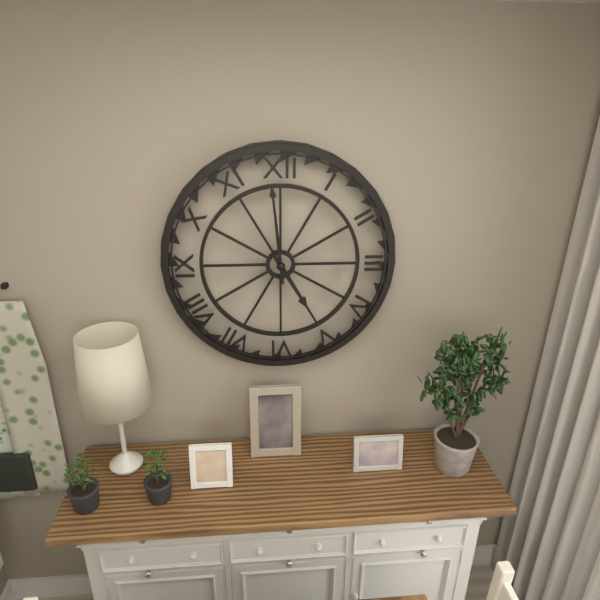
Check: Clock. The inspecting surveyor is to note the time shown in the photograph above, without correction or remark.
4:59
